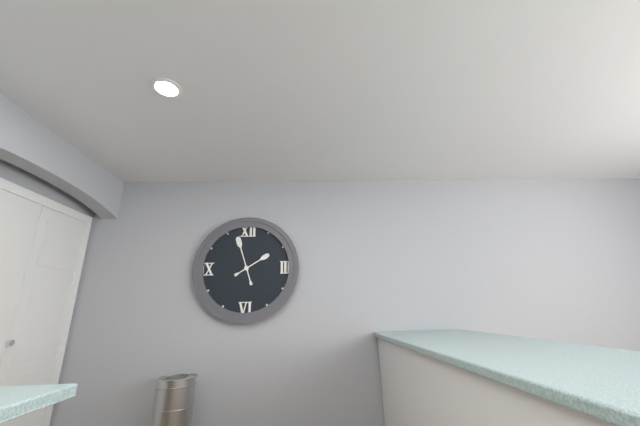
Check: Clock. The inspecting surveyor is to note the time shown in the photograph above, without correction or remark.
1:57
